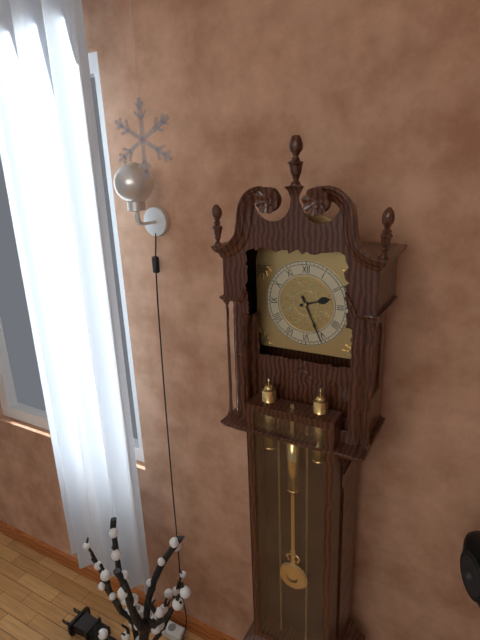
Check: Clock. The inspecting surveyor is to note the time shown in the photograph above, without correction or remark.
2:26
